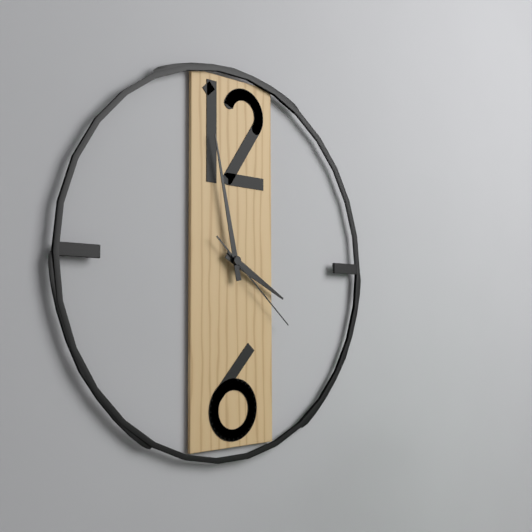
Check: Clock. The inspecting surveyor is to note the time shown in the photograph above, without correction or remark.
3:58:22
